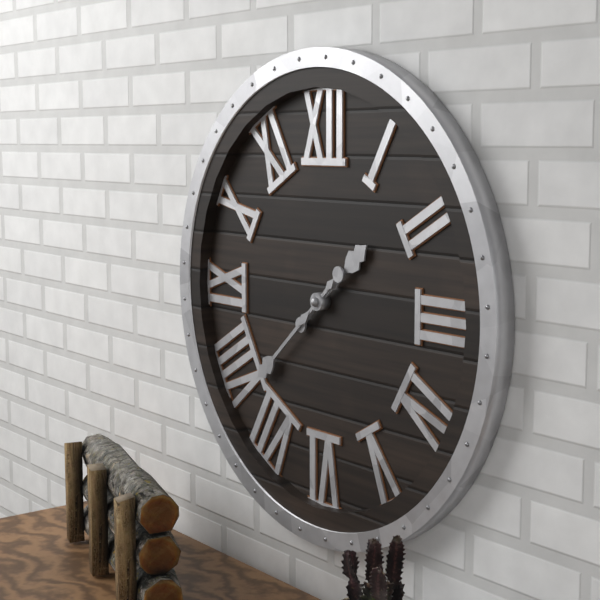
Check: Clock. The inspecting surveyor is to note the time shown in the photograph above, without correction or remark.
1:38
